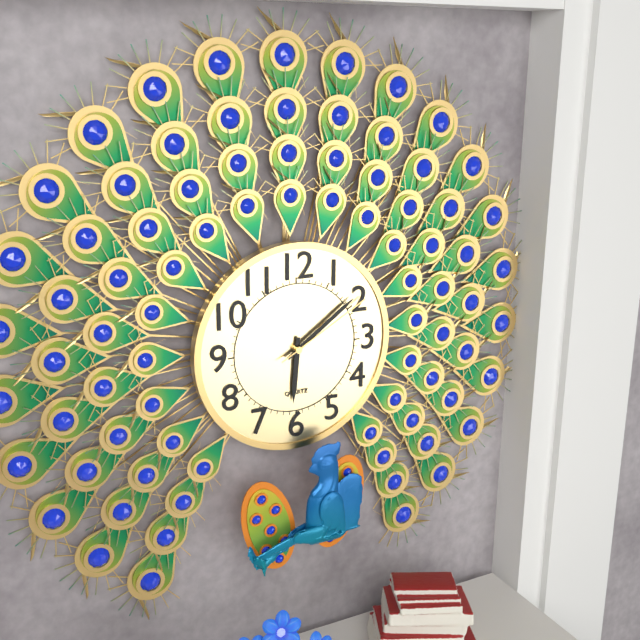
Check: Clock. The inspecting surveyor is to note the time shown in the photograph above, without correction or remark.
6:09:10
